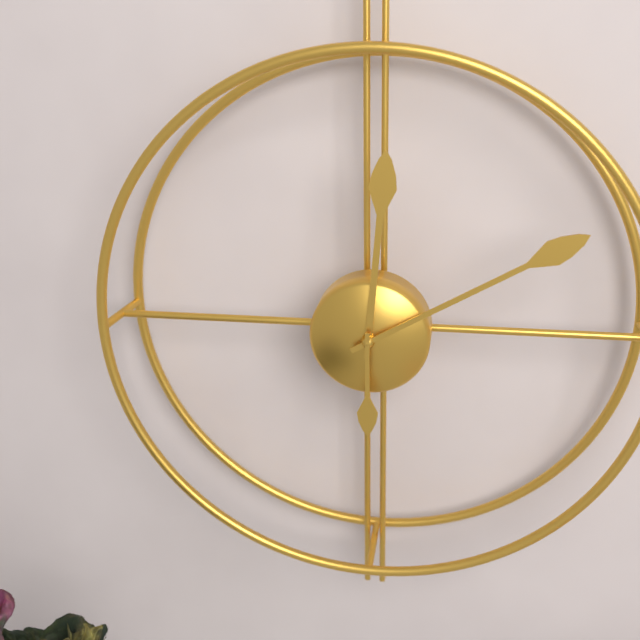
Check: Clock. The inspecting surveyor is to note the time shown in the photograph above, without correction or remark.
12:10:30
